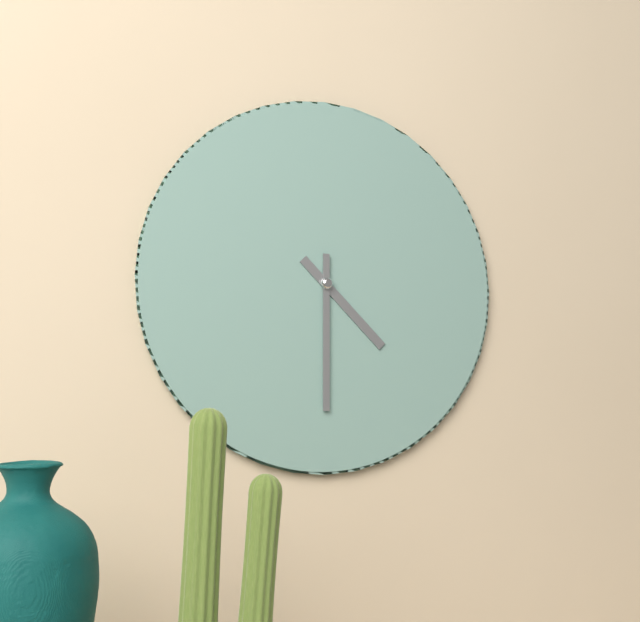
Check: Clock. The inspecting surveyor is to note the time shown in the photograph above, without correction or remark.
4:30
